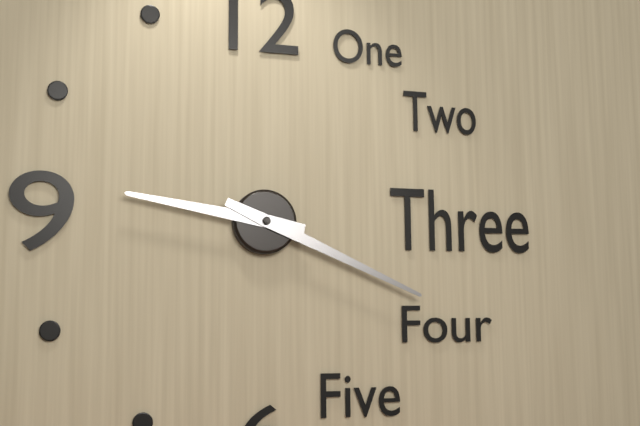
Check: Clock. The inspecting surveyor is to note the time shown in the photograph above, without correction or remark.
9:19
